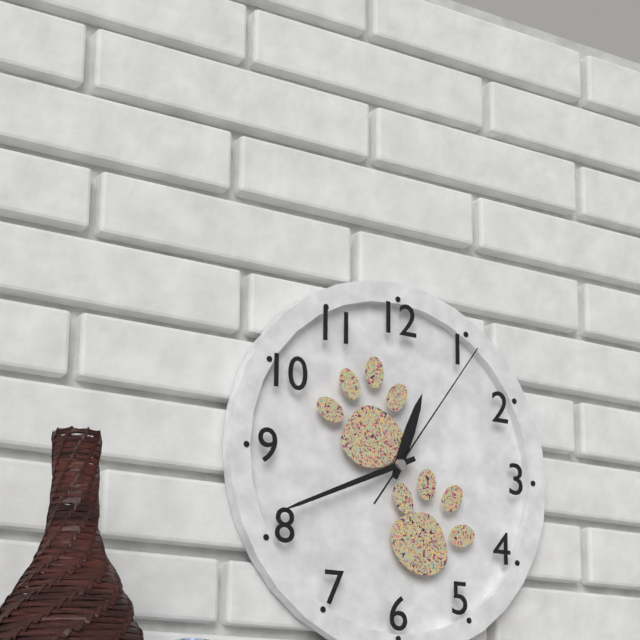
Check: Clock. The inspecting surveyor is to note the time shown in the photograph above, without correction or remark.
12:41:06
